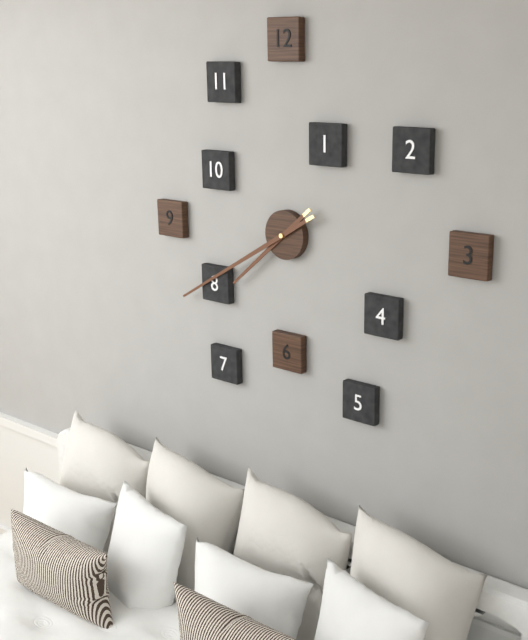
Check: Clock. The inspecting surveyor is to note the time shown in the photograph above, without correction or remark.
7:40
